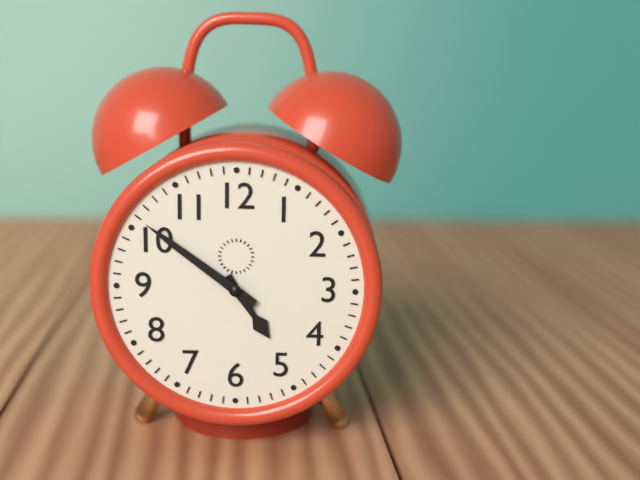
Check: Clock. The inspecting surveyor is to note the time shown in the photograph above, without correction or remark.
4:51
